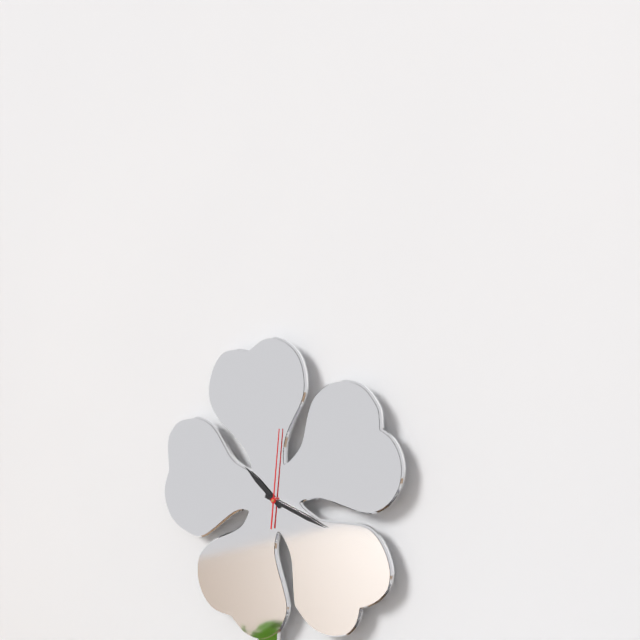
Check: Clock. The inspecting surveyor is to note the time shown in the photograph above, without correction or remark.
10:18:01
